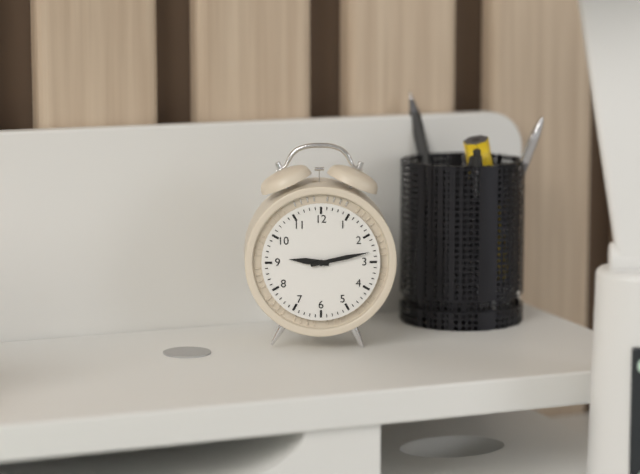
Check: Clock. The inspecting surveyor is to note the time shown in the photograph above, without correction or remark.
9:13
